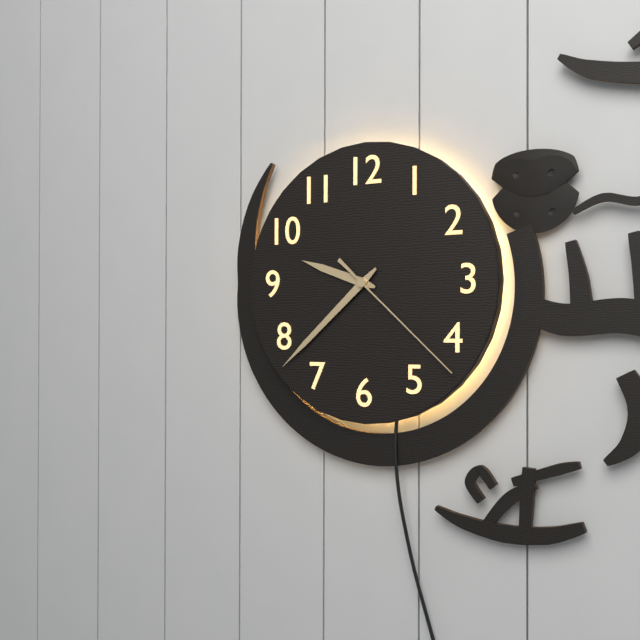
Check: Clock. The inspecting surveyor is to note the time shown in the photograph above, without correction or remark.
9:38:22
